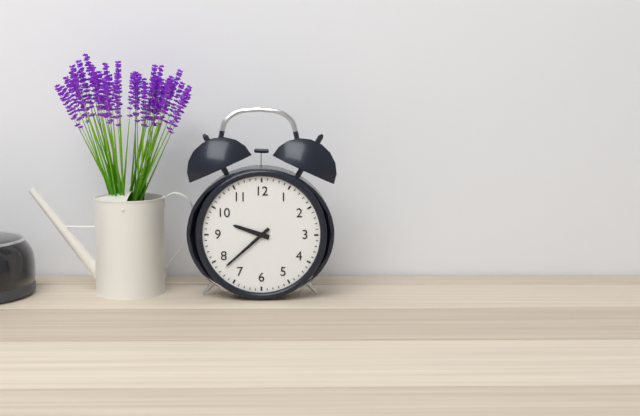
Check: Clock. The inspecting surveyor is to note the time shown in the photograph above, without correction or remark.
9:38
